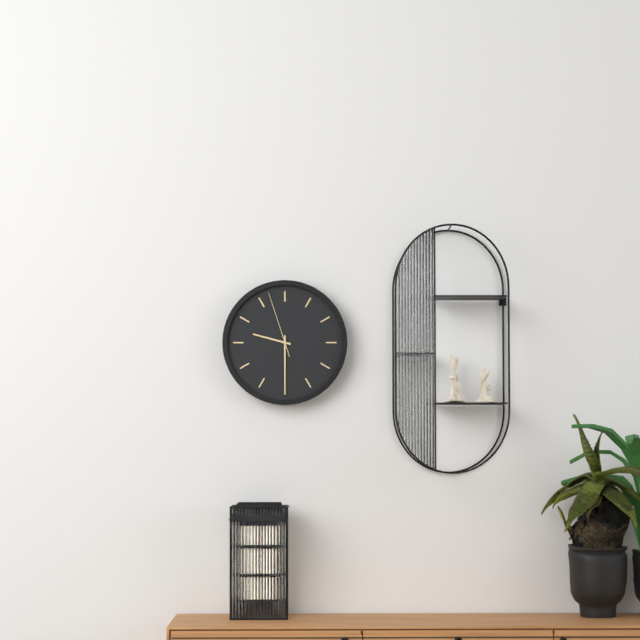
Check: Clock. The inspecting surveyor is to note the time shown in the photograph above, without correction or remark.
9:30:57
